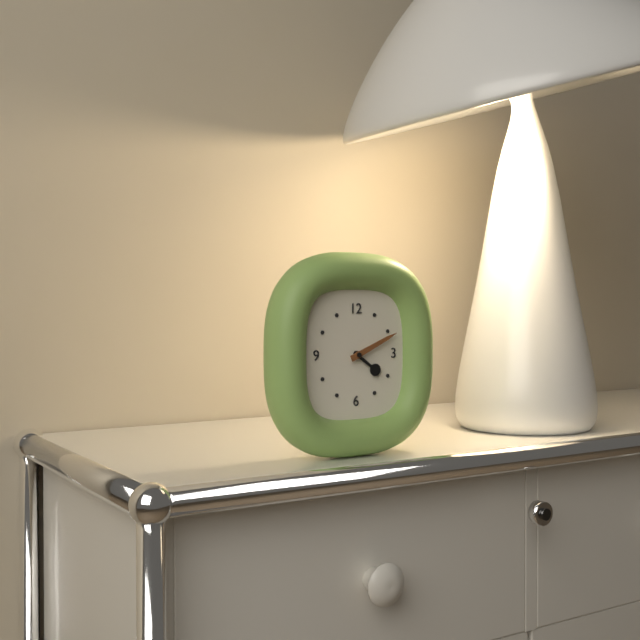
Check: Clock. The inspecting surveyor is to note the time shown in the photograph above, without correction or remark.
4:11
